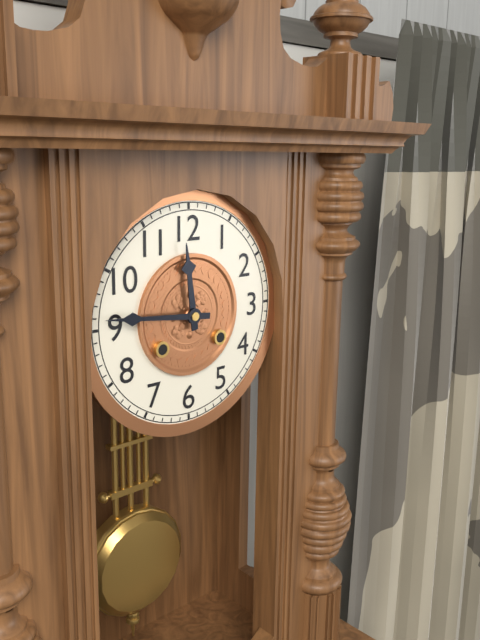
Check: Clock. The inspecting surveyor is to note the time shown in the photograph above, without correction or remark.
11:46
